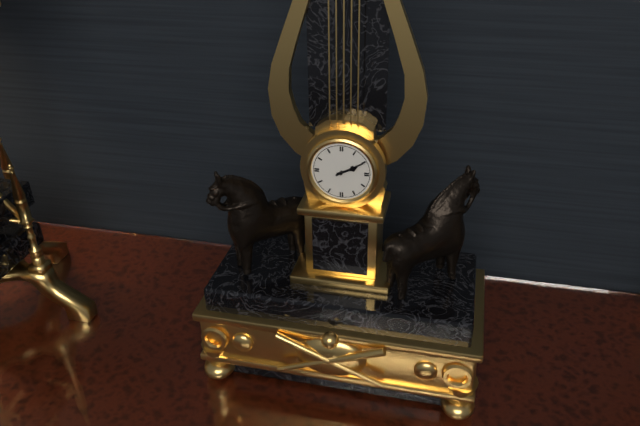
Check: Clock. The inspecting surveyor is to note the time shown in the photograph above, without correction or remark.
2:10
